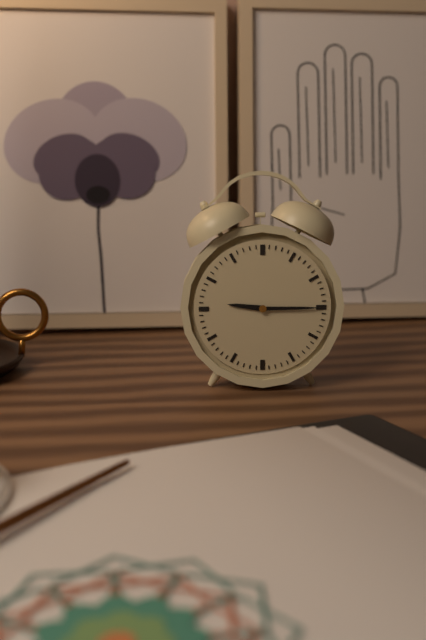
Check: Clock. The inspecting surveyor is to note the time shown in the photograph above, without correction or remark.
9:15
